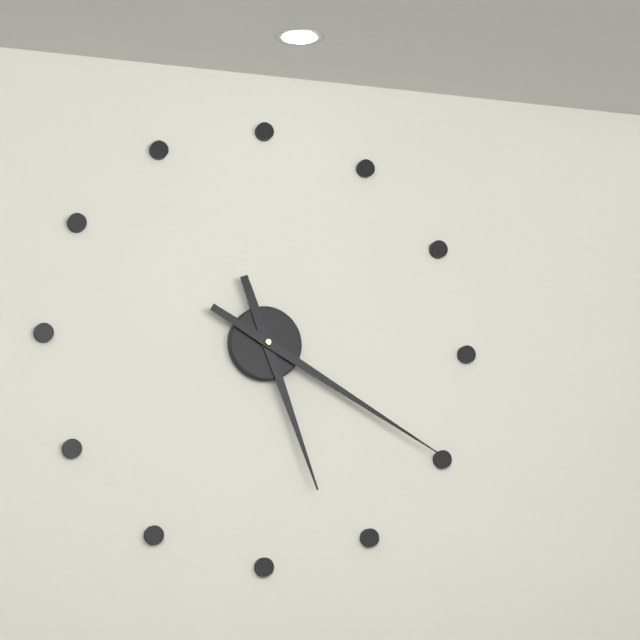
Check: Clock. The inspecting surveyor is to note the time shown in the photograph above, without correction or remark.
5:20
